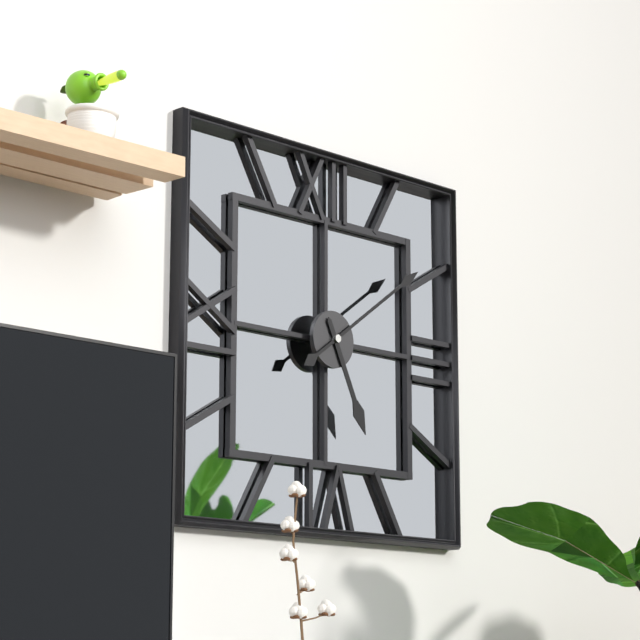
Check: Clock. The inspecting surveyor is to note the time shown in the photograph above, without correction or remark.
5:09
